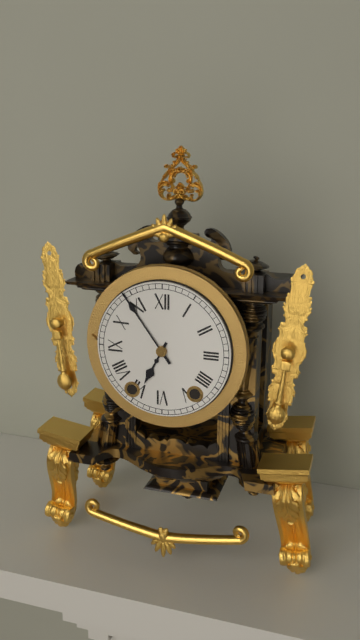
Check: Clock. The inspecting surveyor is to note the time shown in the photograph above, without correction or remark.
6:54
